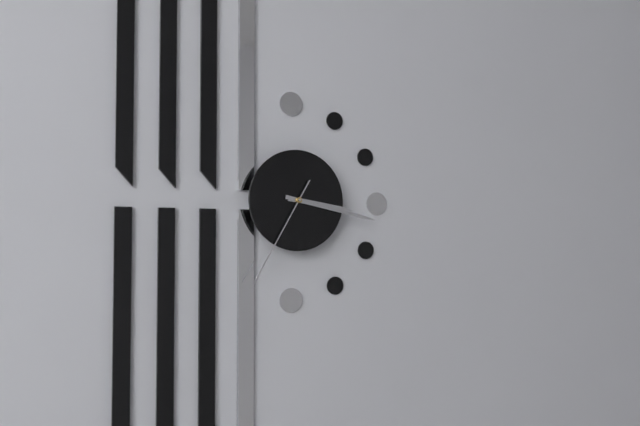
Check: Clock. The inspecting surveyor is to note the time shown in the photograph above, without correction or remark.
3:17:35
